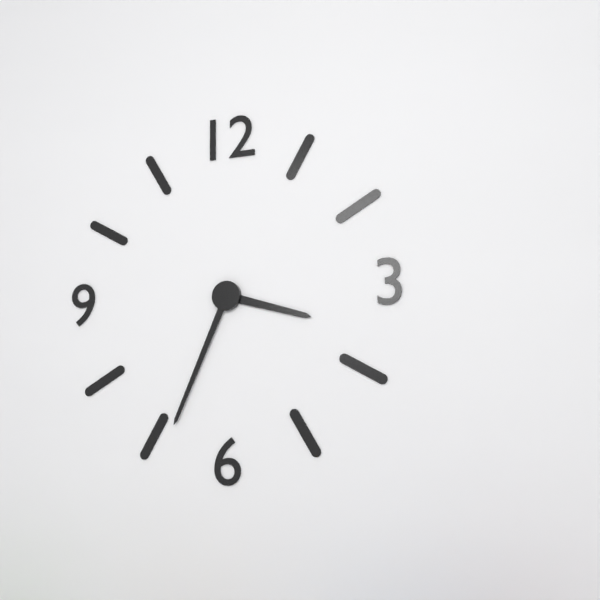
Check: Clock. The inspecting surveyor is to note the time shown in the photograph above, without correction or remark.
3:34
